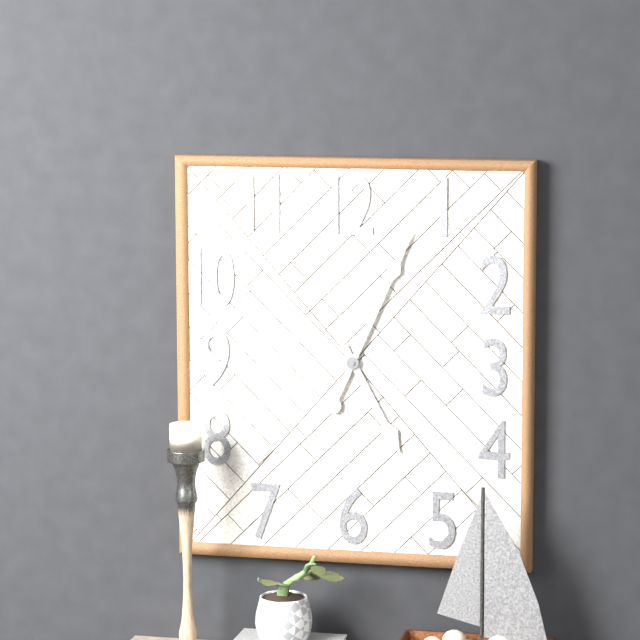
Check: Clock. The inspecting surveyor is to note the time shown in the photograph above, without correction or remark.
5:04
